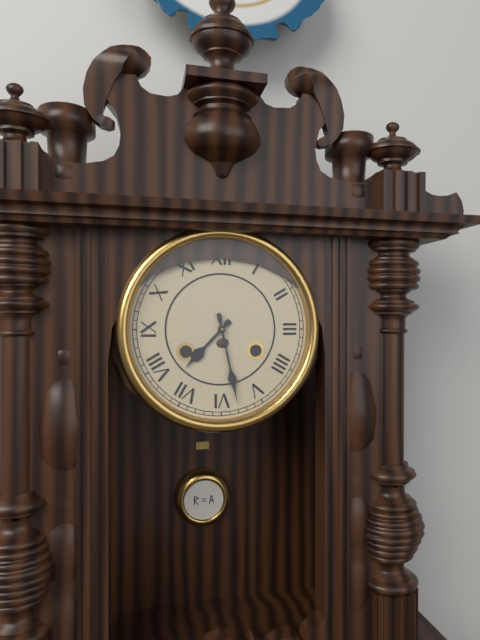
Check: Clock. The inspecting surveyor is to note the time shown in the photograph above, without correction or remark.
7:28
